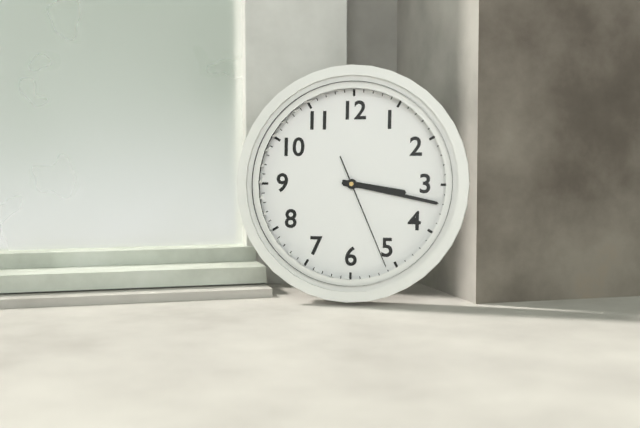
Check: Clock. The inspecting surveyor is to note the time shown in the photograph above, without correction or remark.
3:17:26
